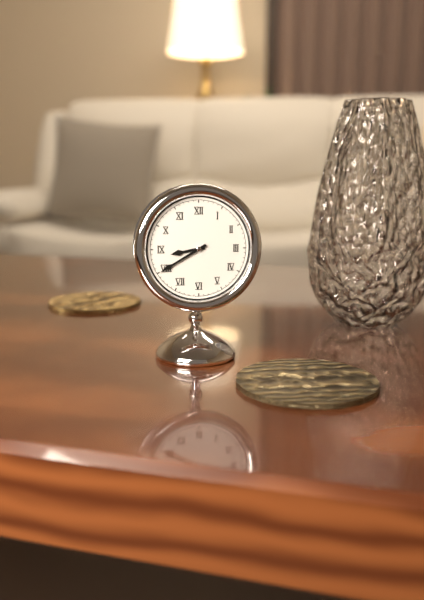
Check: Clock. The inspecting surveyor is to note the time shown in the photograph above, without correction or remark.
8:40
